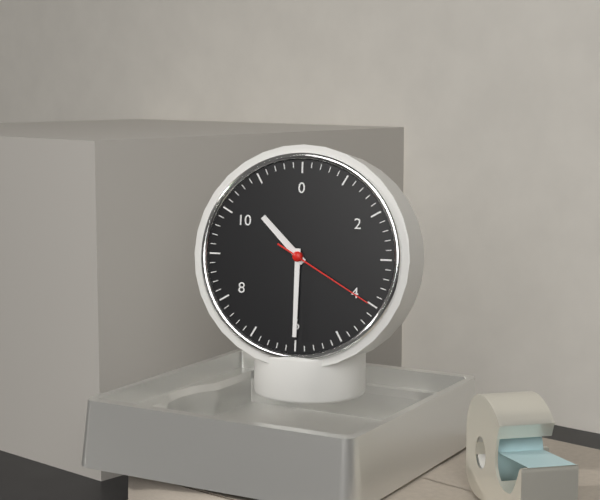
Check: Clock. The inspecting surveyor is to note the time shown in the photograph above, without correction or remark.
10:30:20
